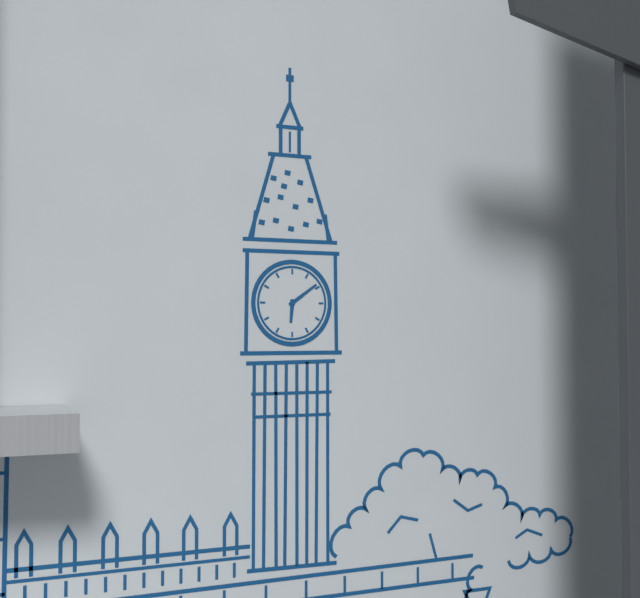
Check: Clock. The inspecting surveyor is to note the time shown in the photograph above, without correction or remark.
6:09
